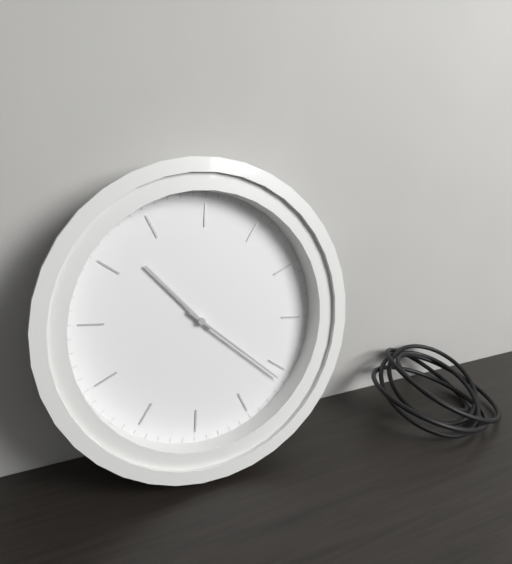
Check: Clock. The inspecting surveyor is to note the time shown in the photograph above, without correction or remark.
11:26
